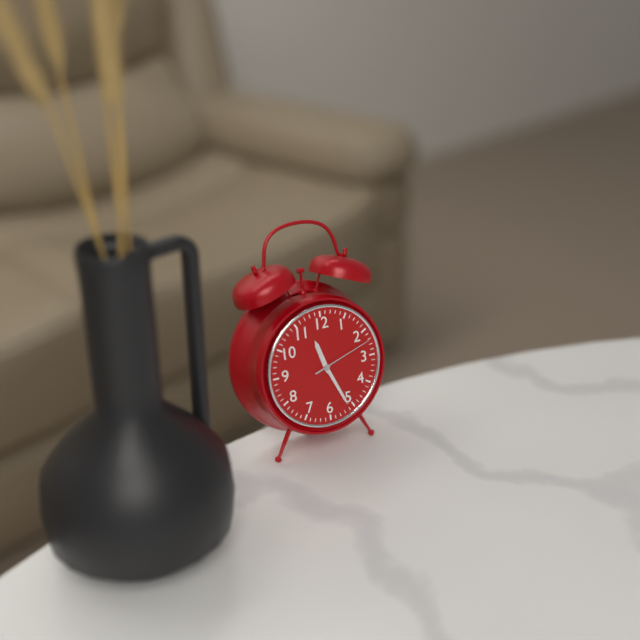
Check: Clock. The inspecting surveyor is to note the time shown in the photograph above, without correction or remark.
11:26:12
